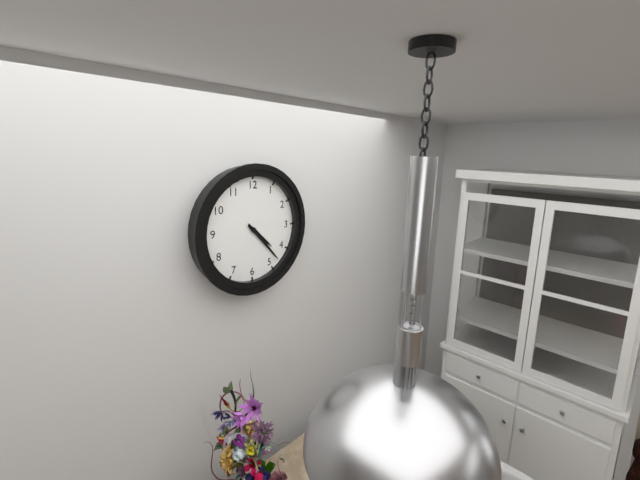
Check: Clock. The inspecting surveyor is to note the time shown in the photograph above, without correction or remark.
4:23
